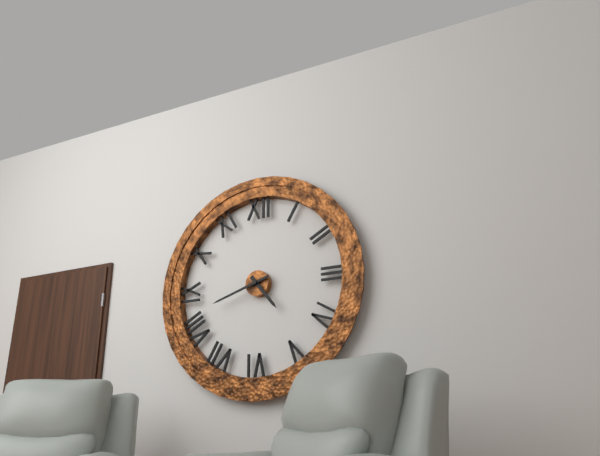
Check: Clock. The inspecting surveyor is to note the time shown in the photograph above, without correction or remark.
4:42
